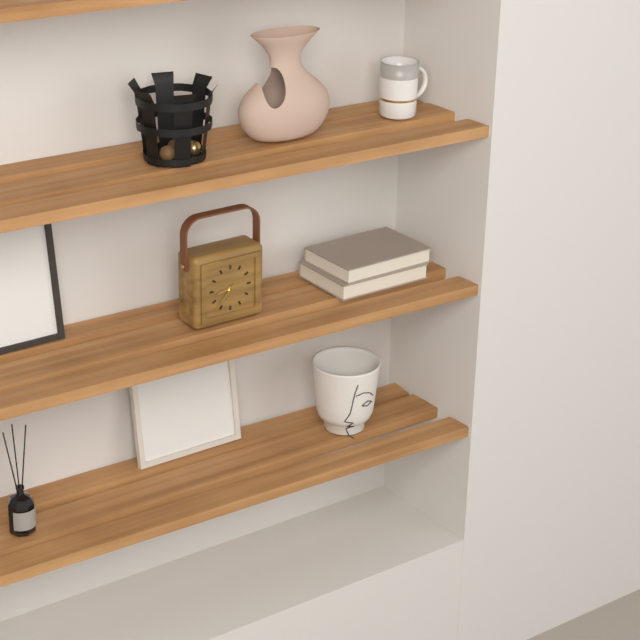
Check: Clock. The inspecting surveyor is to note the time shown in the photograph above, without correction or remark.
8:37
